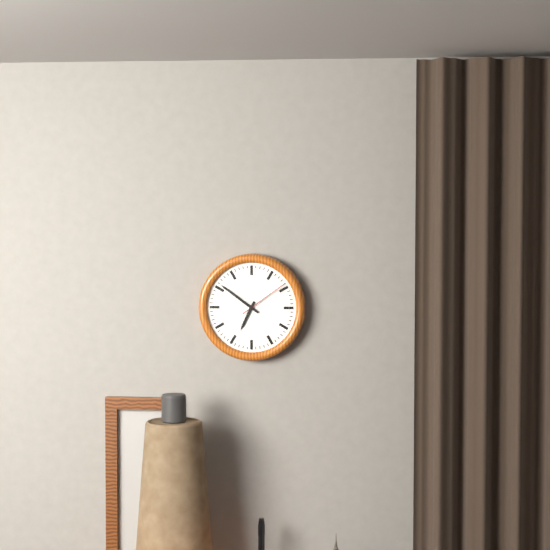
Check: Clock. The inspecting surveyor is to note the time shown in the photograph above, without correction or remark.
6:51:09
